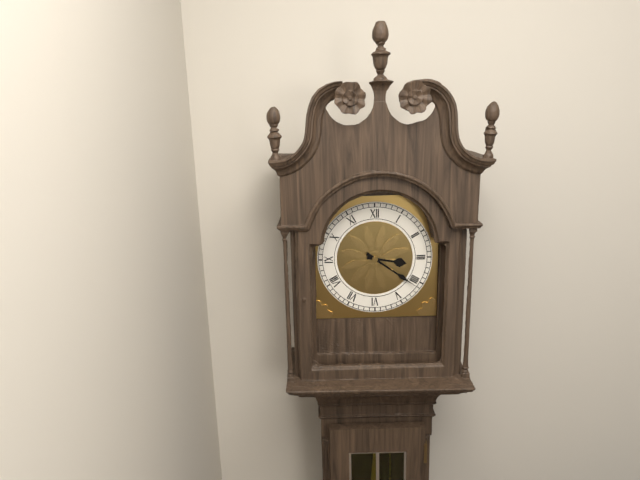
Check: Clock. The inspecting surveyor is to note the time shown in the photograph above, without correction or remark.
3:21
